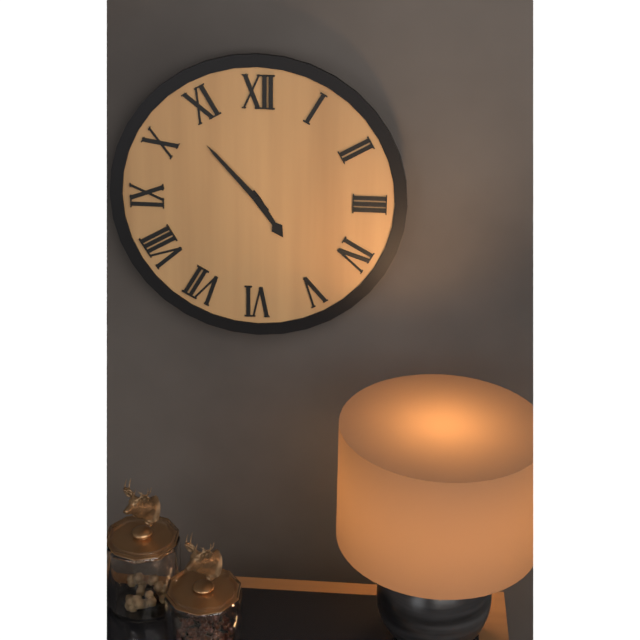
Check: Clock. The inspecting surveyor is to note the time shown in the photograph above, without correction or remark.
4:53
